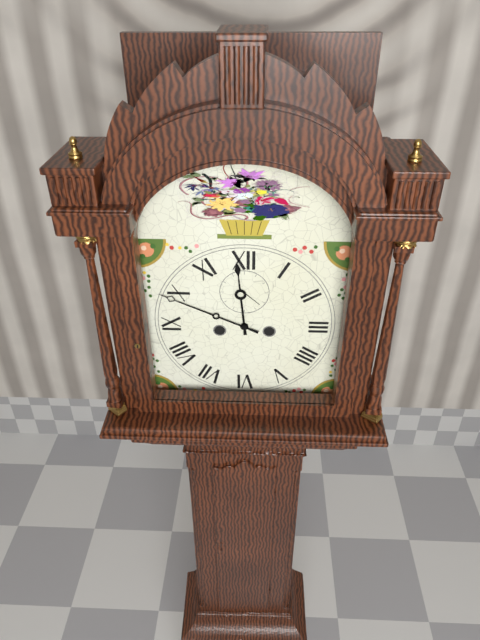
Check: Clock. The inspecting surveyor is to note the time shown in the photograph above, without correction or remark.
11:49
